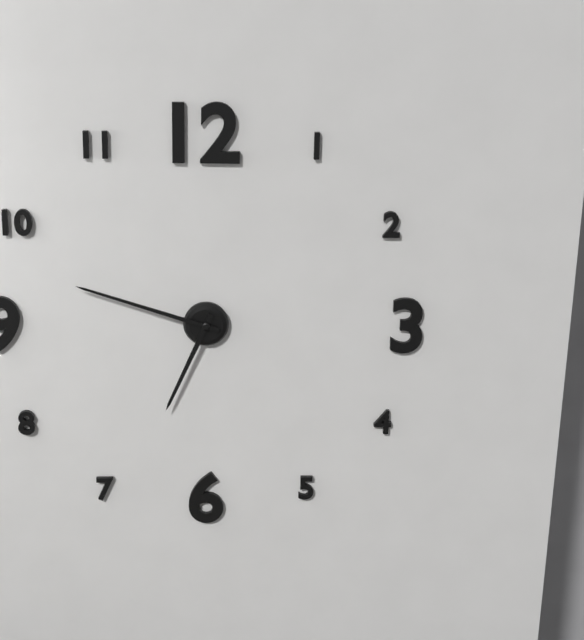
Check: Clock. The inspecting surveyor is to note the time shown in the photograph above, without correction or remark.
6:48
